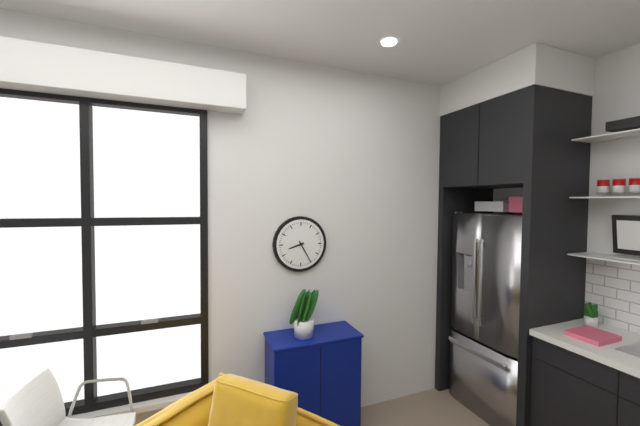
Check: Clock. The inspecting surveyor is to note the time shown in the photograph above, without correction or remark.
8:25
